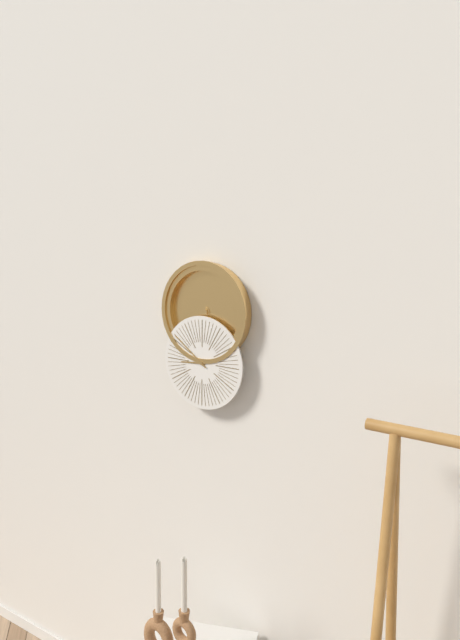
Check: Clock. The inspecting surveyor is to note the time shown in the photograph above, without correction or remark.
8:51
